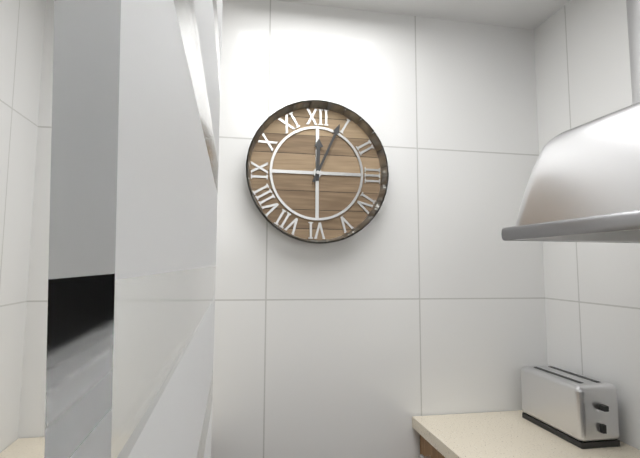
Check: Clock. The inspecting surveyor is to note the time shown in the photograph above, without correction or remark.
12:04
